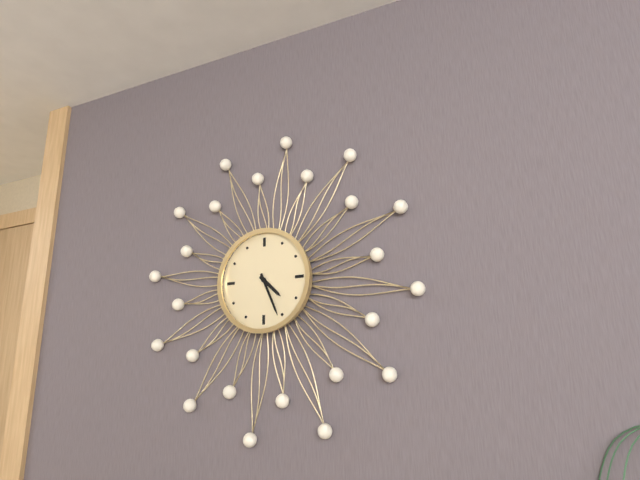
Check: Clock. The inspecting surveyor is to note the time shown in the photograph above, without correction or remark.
4:26
